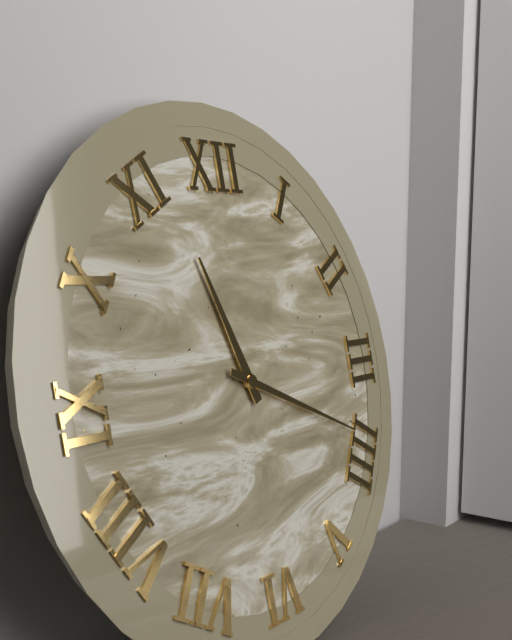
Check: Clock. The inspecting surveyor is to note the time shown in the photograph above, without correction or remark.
11:19
